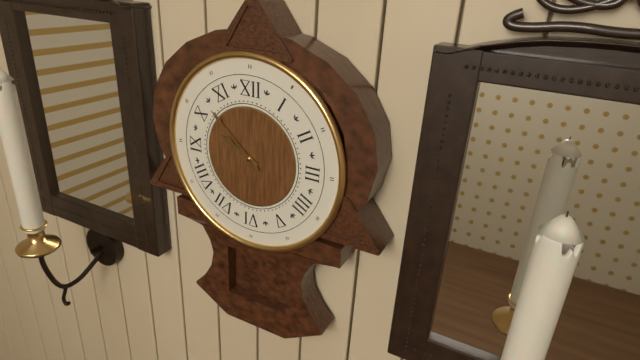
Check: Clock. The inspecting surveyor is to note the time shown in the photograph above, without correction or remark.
9:52
